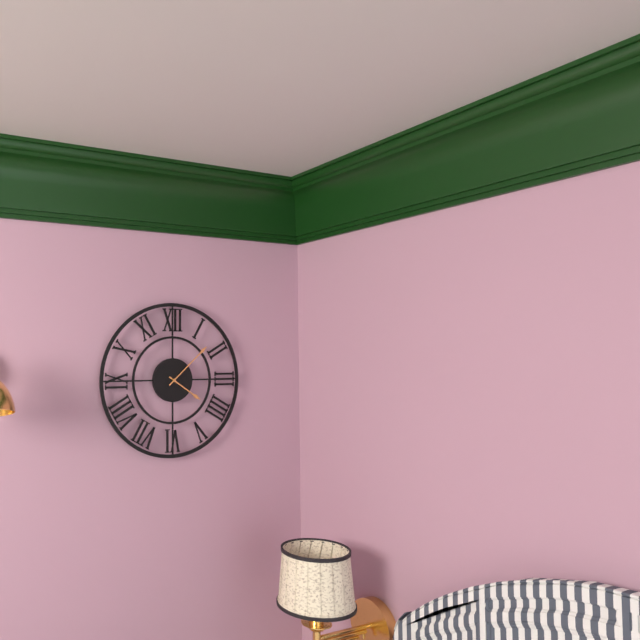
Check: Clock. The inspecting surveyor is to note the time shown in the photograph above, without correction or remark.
4:08
